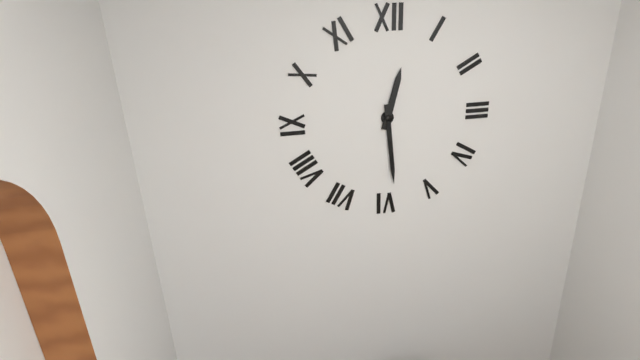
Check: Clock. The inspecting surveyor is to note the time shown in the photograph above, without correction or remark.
12:29
